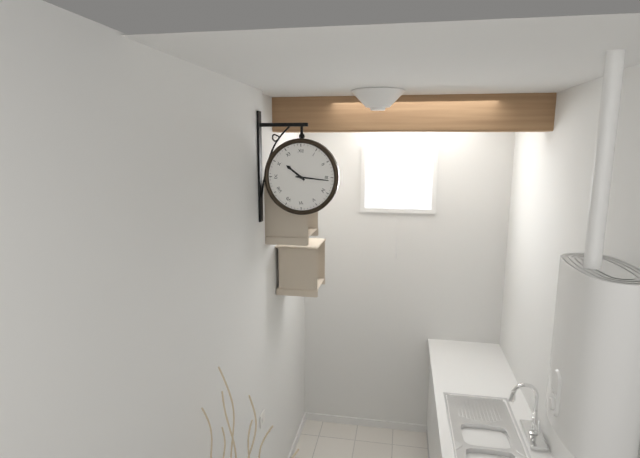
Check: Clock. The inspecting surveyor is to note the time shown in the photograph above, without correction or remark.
10:16
